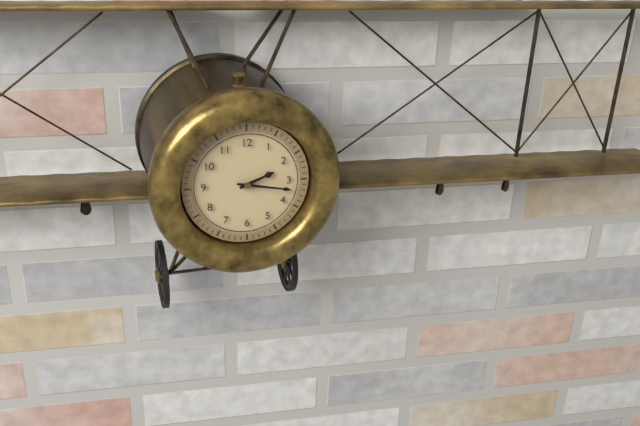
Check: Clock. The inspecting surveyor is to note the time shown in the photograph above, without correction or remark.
2:17
